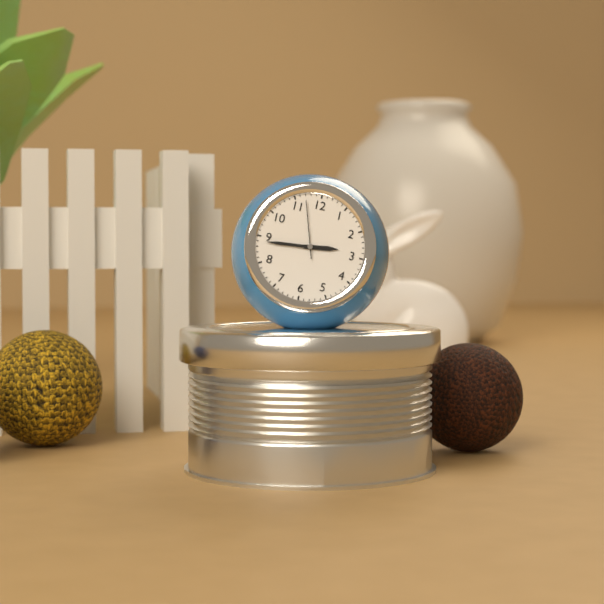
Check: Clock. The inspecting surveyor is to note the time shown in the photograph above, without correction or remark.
2:44:57
